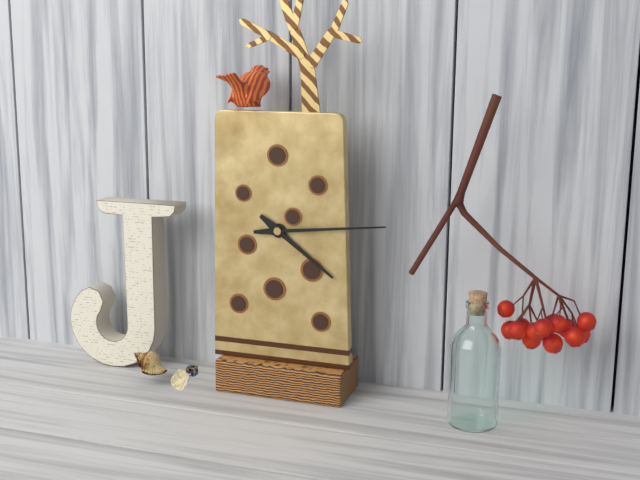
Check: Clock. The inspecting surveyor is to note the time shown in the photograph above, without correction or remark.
4:14
